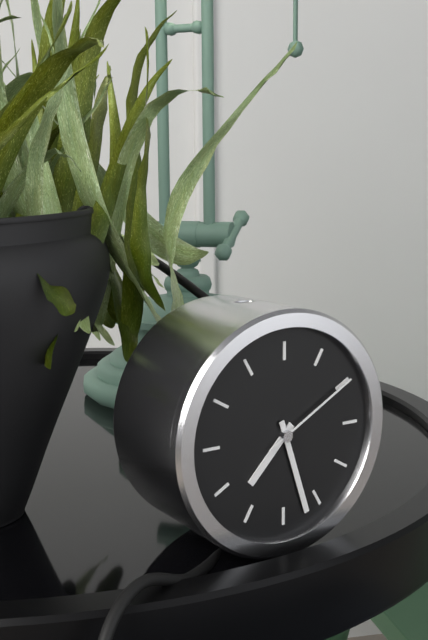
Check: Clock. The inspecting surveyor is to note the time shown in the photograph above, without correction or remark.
7:27:10
